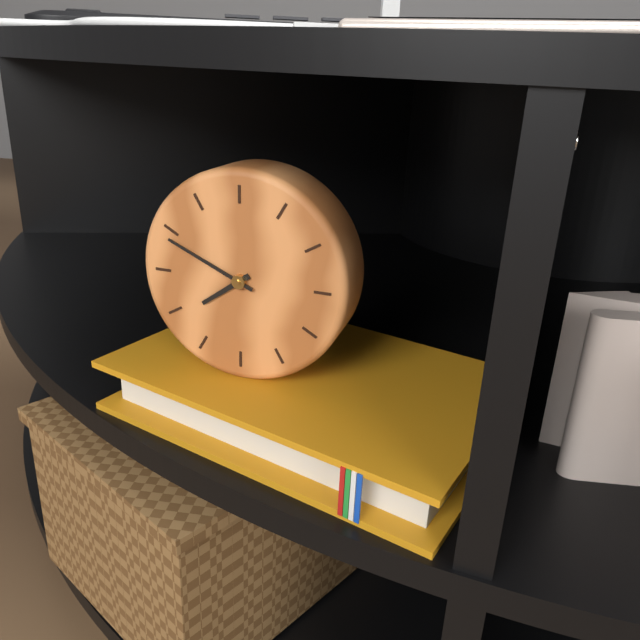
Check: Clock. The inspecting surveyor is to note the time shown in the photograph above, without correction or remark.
7:49
